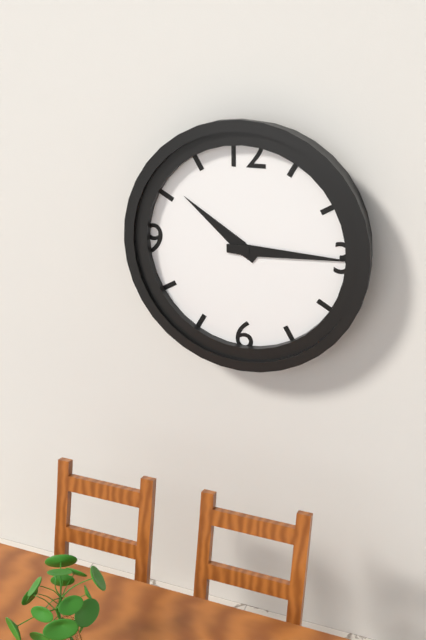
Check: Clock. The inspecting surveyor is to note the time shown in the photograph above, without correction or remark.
10:15
